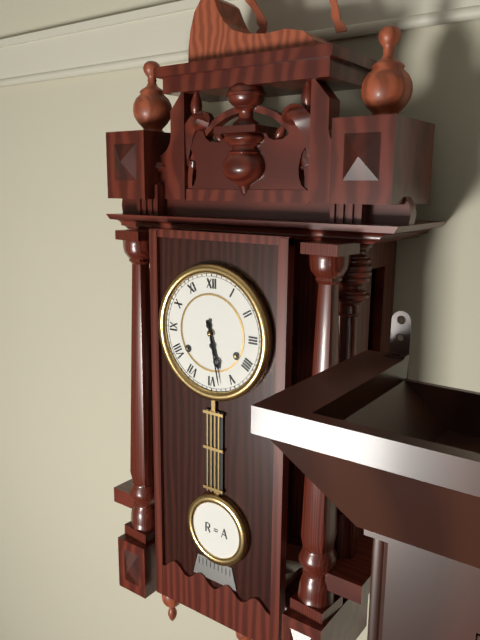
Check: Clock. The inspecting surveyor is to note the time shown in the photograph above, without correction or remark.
5:28
